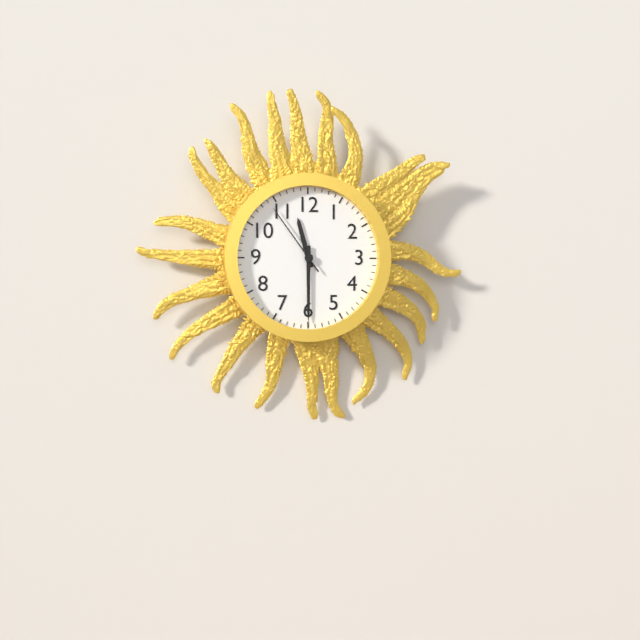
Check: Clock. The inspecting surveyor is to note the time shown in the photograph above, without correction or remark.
11:30:54
